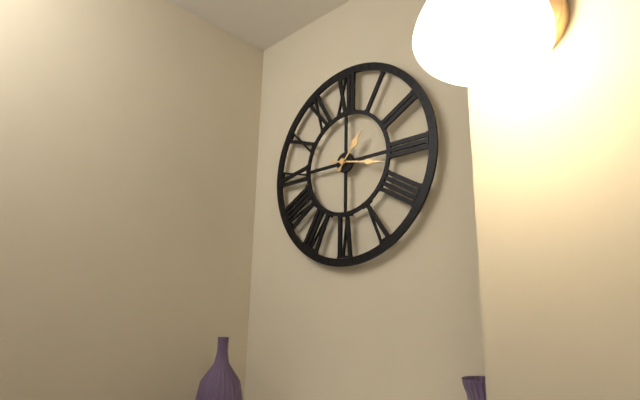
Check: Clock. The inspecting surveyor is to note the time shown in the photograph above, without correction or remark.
1:17
